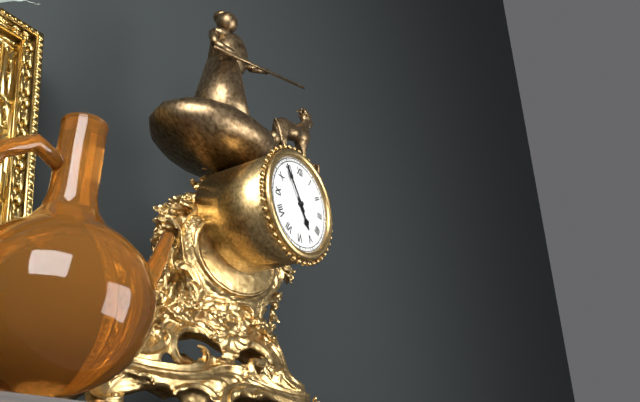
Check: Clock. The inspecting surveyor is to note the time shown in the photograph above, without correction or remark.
4:54
